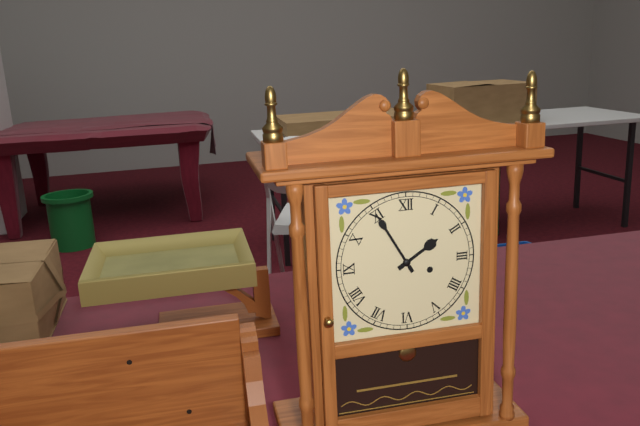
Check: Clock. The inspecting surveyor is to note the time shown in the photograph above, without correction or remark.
1:55
